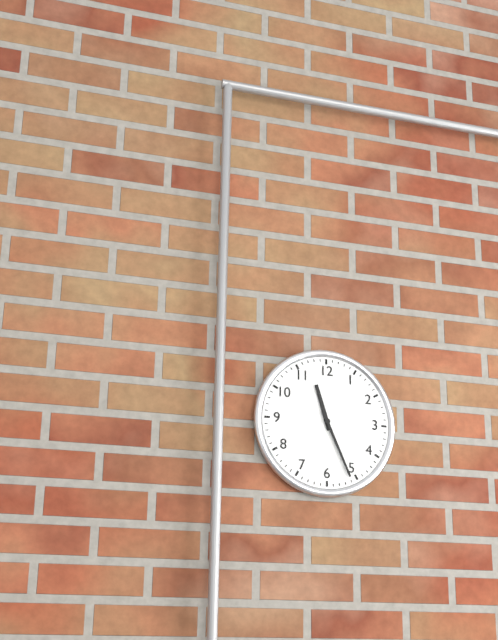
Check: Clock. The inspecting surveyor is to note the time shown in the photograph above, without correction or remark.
11:26
